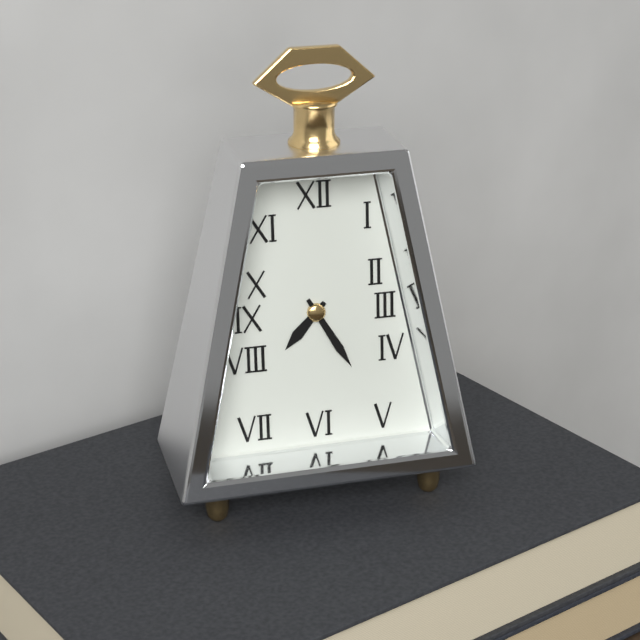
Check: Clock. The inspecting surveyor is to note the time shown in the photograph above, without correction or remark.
7:25
